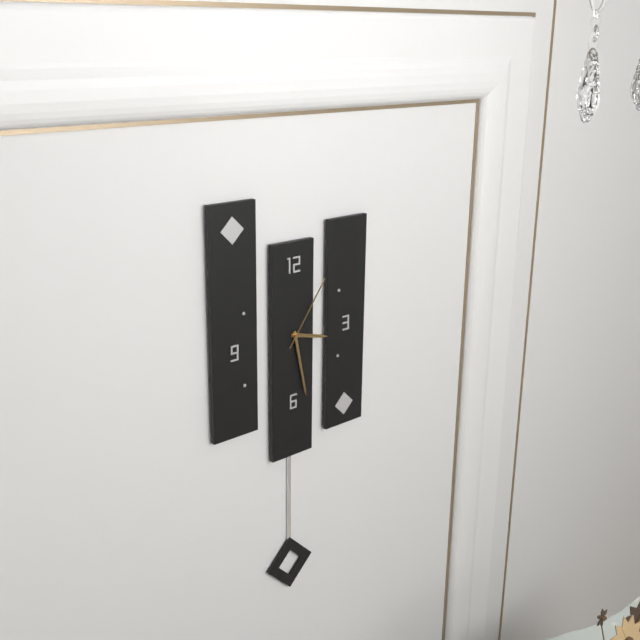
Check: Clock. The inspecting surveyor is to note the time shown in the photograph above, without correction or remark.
3:28:06
